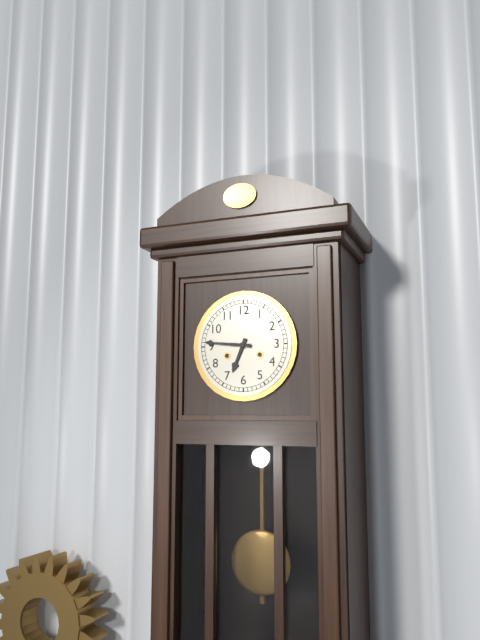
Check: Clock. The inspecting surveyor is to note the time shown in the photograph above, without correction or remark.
6:46
